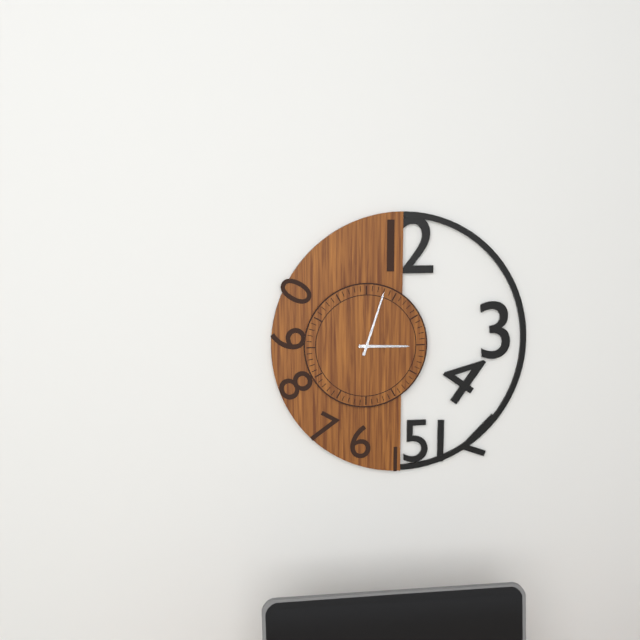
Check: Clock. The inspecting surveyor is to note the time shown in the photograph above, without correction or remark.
3:03
